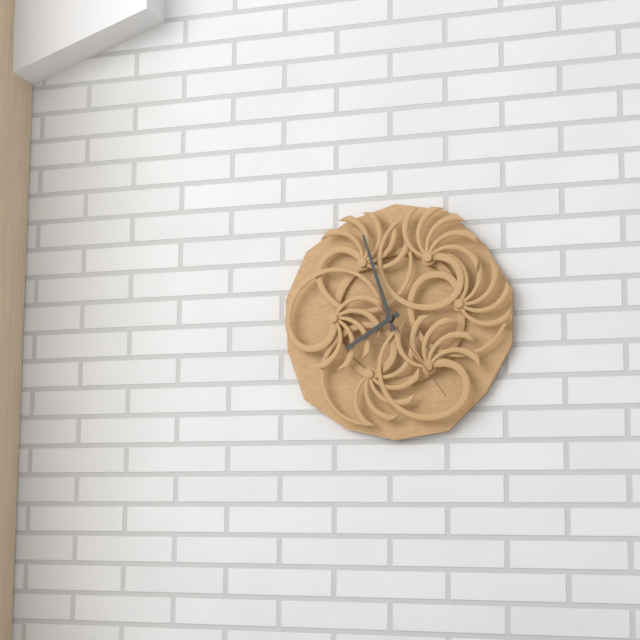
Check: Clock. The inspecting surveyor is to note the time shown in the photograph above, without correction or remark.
7:57:24
